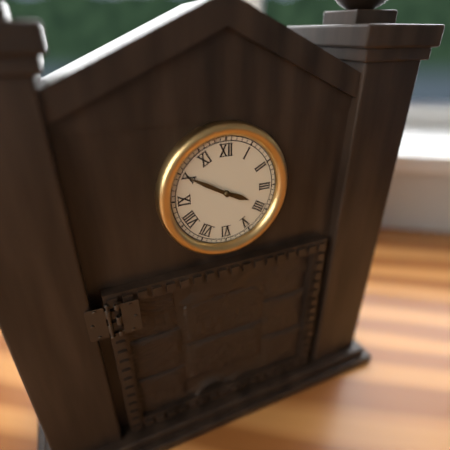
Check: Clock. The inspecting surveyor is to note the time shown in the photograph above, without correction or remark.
3:50
